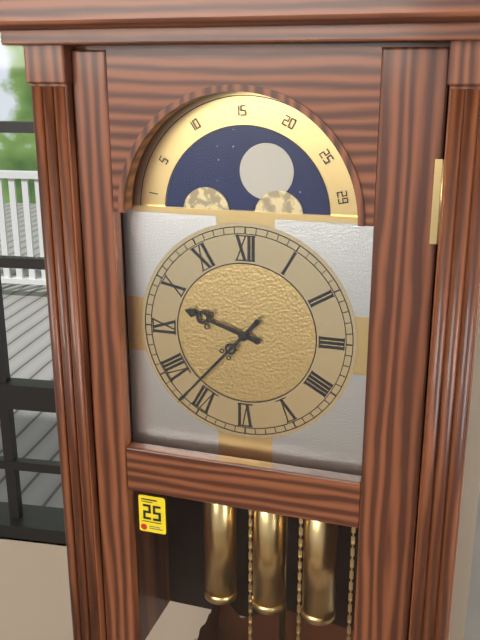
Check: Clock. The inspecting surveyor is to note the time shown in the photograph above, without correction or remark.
9:37
